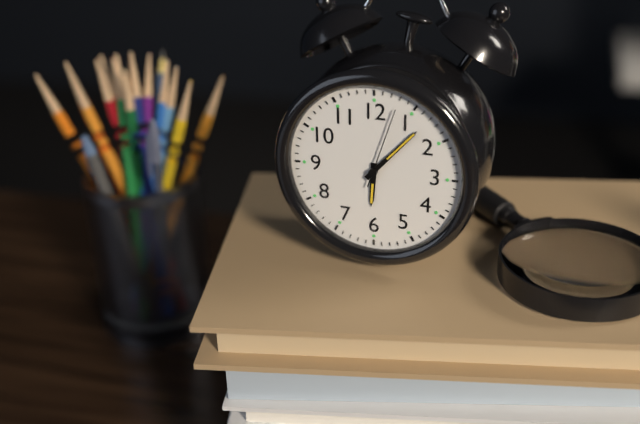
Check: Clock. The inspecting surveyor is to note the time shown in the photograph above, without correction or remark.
6:07:03
